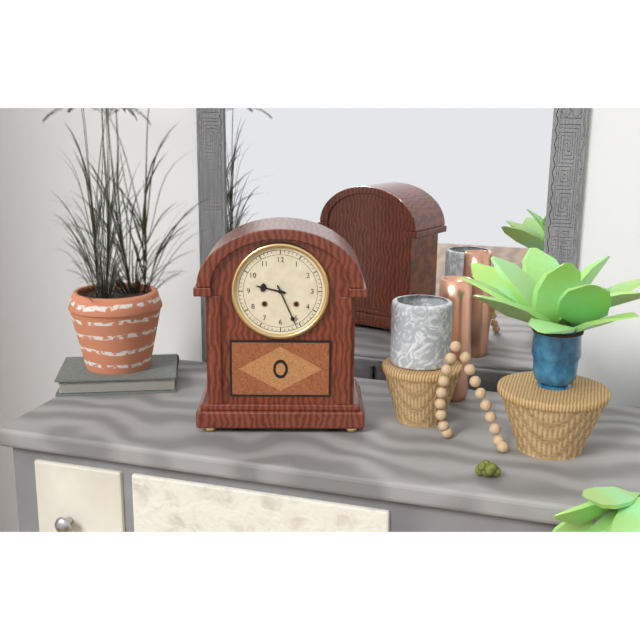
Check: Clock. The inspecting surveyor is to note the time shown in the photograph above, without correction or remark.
9:26
